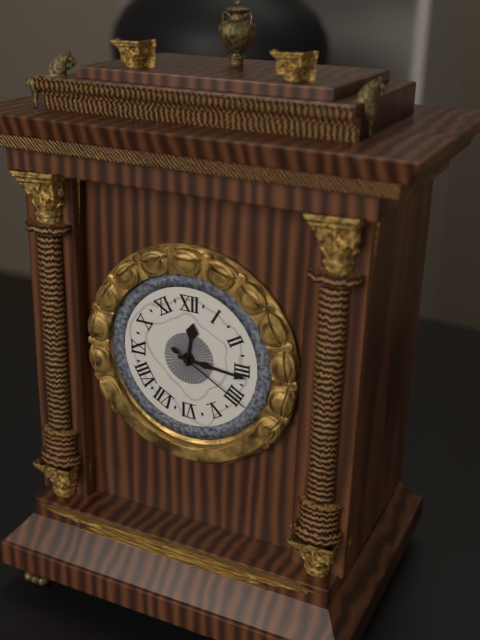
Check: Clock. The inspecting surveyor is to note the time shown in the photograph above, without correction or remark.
12:16:20
